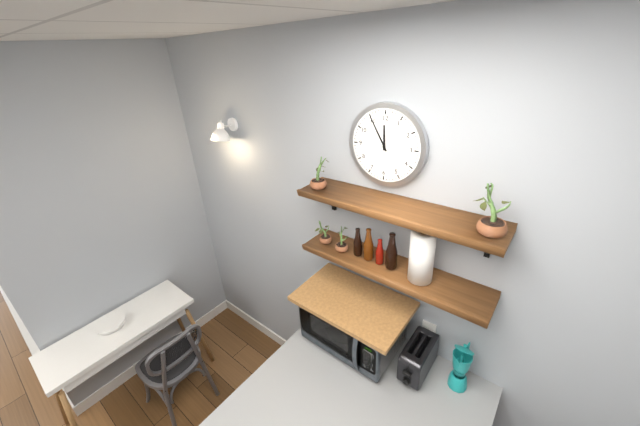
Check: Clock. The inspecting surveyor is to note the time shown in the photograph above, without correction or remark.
11:55
